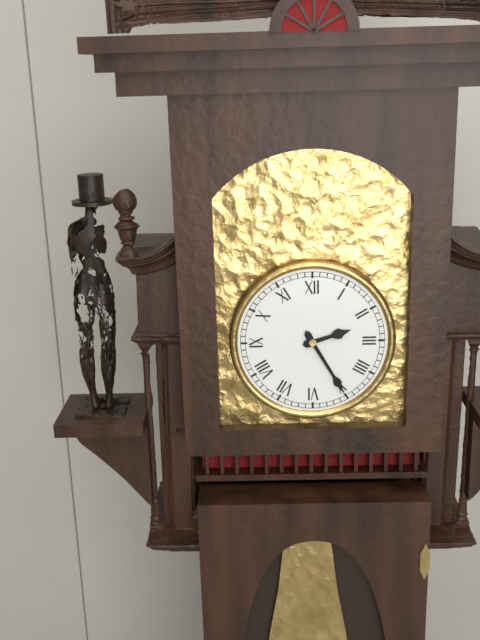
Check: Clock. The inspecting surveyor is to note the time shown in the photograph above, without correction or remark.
2:25
